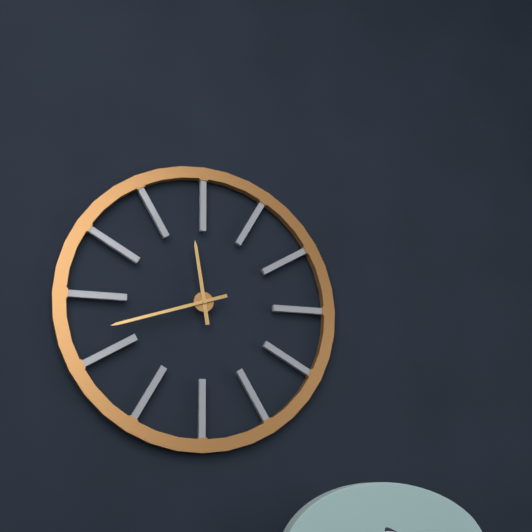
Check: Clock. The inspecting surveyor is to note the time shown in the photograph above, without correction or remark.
11:42
